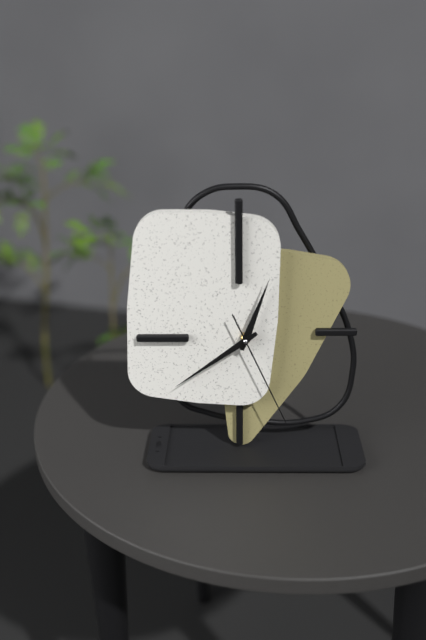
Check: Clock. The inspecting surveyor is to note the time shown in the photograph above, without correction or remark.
12:39:26
